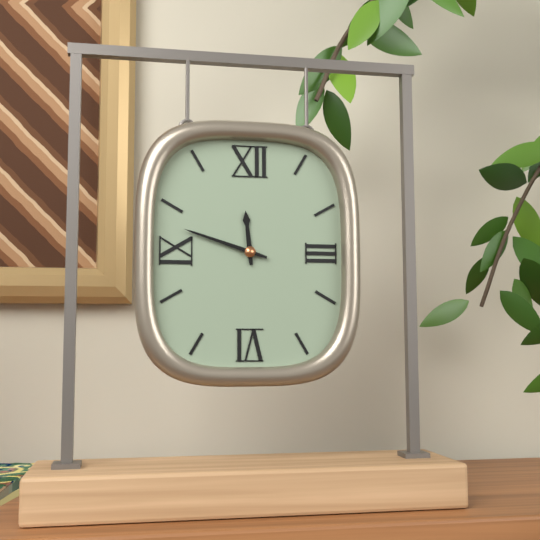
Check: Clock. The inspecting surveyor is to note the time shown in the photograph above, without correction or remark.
11:48
